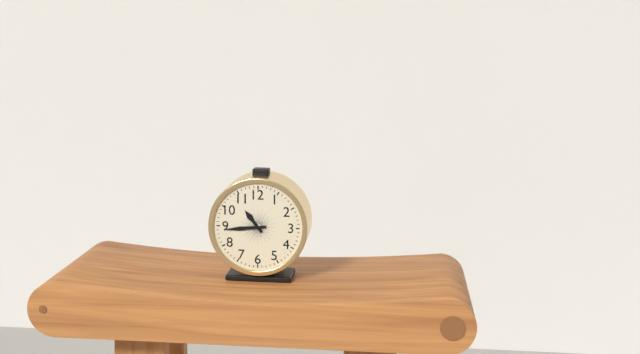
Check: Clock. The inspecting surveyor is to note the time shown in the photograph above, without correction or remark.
10:44
